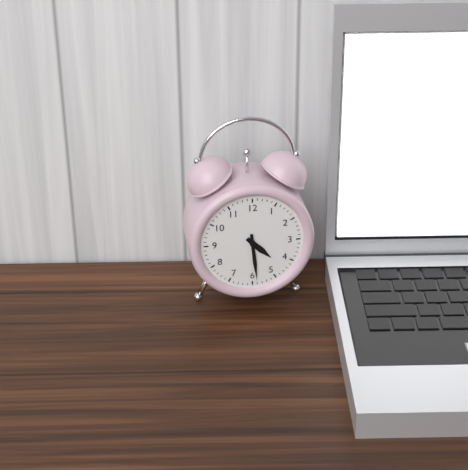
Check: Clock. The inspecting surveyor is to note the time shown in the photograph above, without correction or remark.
4:29
